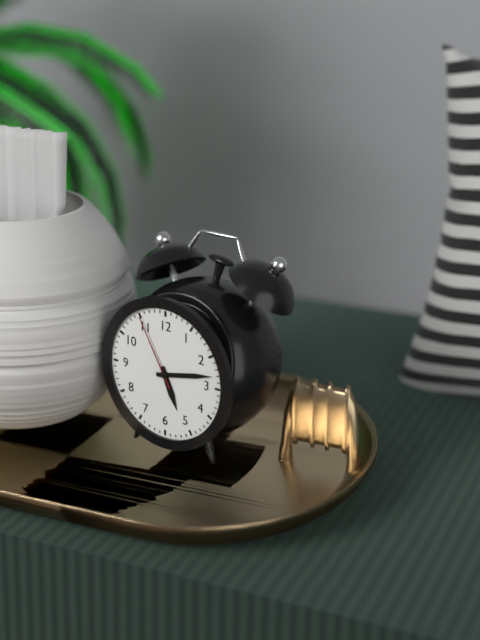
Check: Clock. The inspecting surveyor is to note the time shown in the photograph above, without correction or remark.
5:13:55
